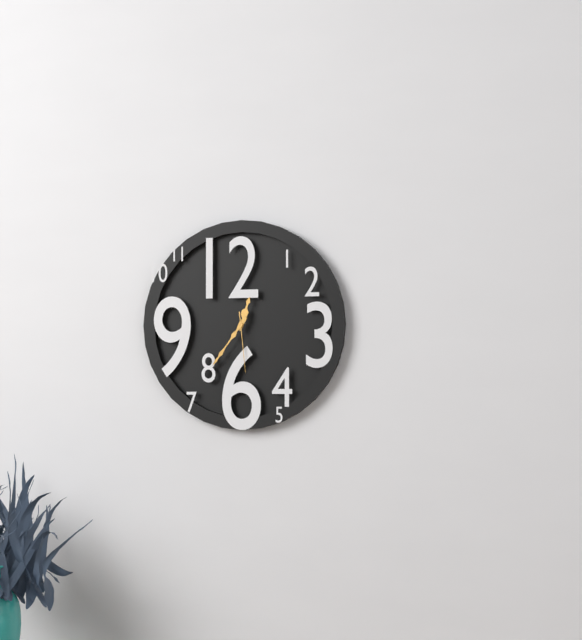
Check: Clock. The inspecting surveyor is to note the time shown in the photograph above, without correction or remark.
12:36:29
